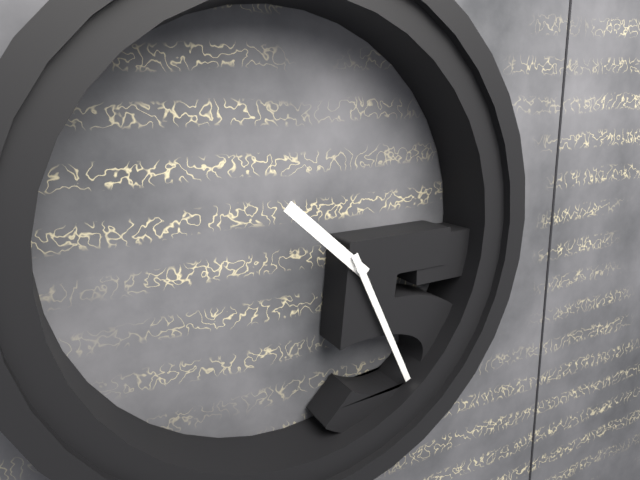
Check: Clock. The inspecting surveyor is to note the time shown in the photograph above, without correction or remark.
10:26
